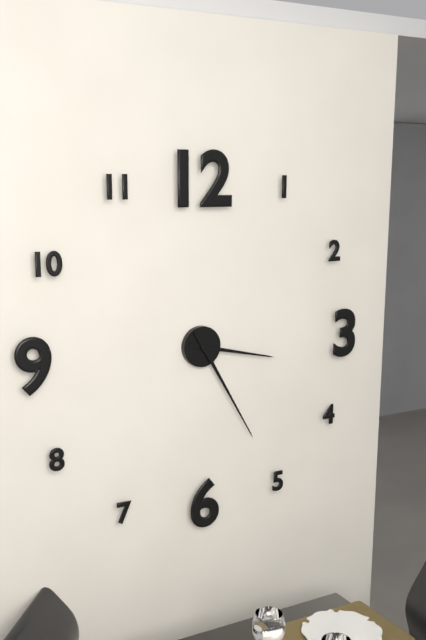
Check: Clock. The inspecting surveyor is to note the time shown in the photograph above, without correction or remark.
3:25
